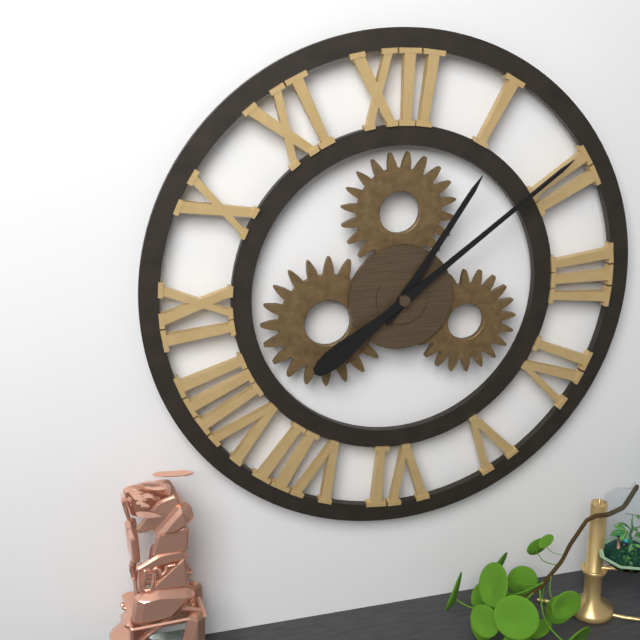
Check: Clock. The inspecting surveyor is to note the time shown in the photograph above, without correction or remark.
1:09
